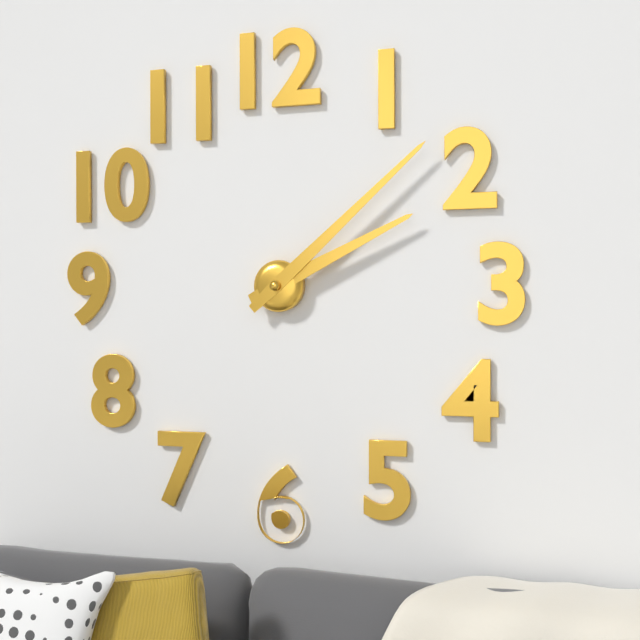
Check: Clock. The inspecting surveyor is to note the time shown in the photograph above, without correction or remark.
2:08
